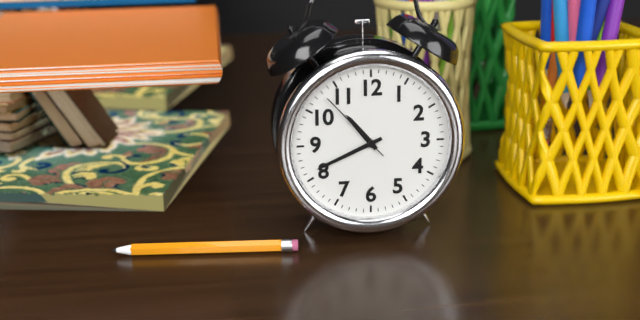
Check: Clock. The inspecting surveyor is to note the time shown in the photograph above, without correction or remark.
10:41:53
